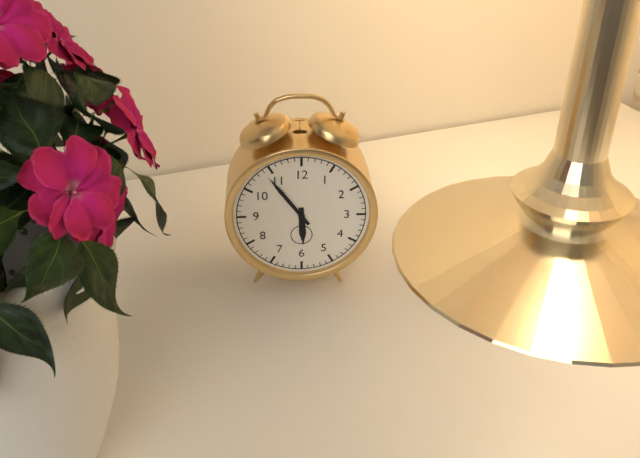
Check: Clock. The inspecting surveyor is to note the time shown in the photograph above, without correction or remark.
5:54
